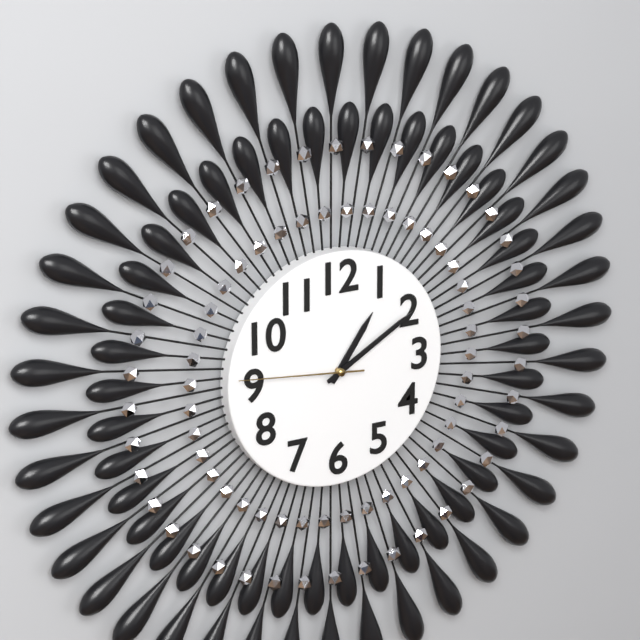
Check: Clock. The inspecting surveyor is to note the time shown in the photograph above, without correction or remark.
1:10:46
